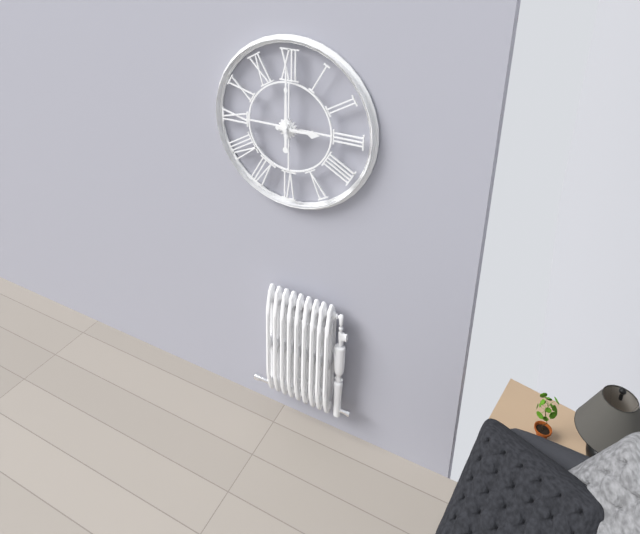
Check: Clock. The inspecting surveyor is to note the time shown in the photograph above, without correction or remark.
3:00
